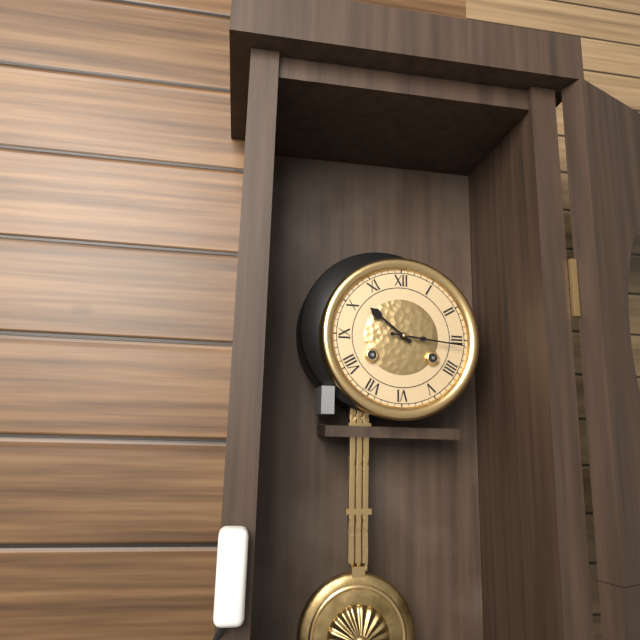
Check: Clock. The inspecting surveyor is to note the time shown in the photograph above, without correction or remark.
10:16
